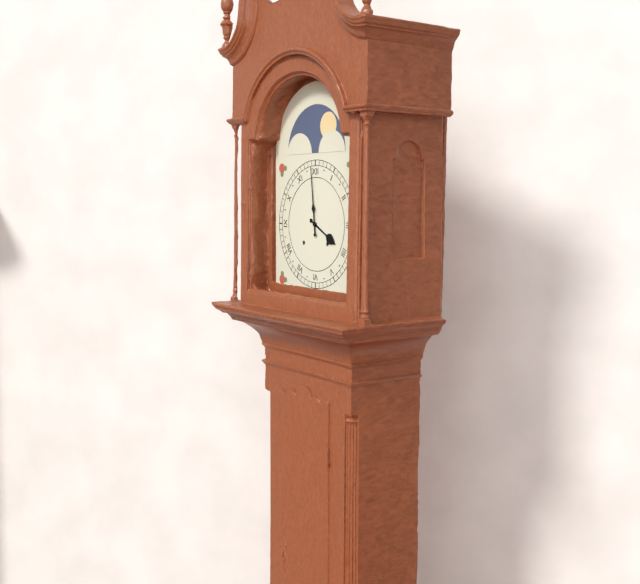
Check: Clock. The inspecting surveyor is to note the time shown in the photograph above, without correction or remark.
3:59
